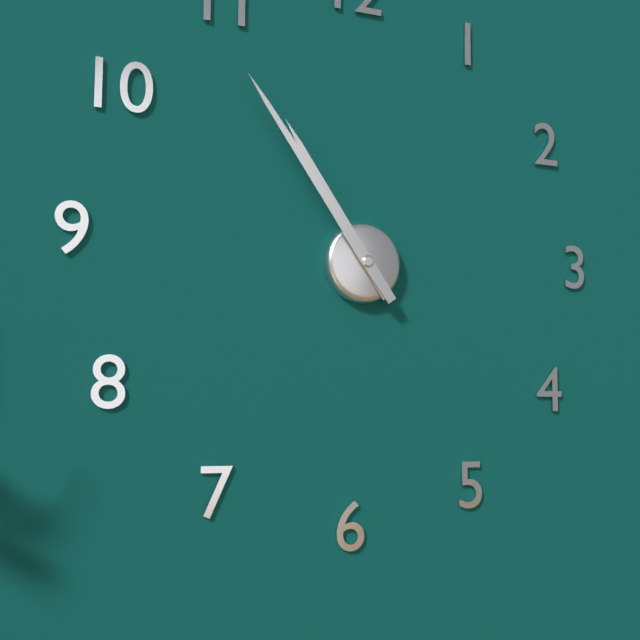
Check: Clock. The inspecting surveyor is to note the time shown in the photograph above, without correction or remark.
10:54
